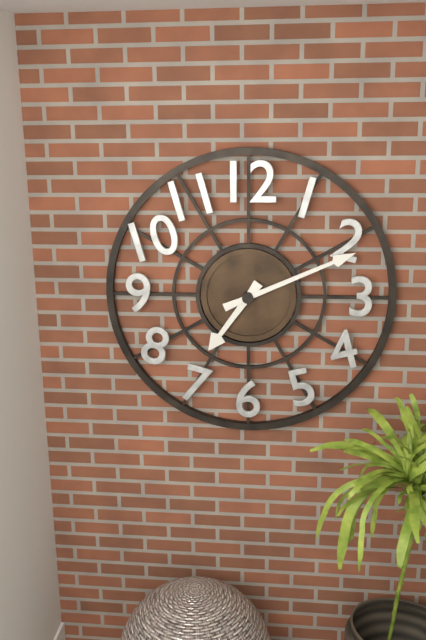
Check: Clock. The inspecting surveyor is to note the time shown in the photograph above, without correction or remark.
7:11
